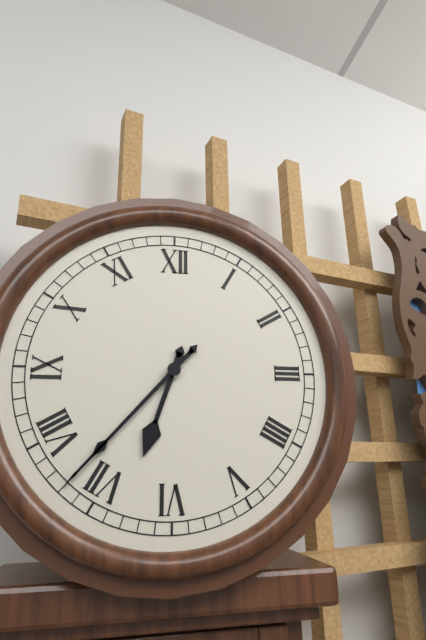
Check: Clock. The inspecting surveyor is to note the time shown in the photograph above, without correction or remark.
6:37
